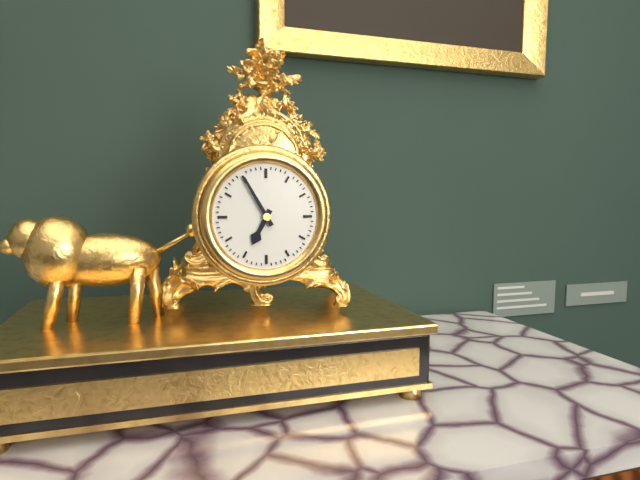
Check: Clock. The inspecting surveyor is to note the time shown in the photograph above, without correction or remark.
6:55
